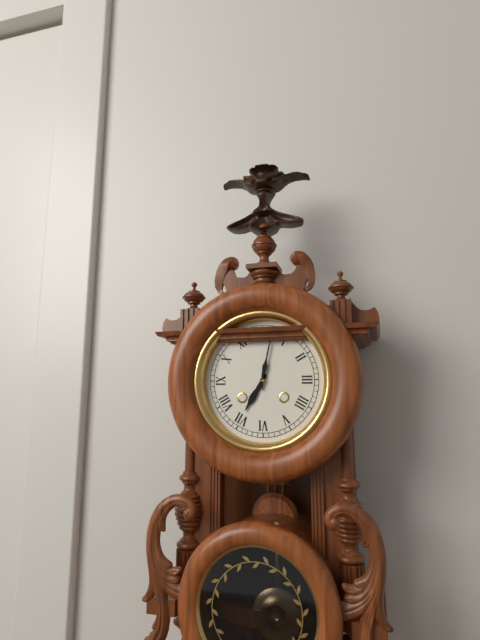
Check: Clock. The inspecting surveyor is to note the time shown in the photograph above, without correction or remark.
7:02
